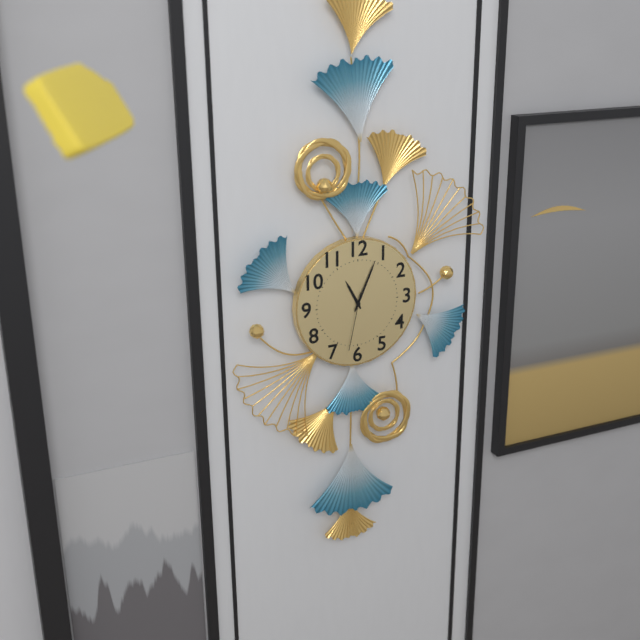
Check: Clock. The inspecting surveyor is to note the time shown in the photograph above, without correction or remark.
11:04:32
